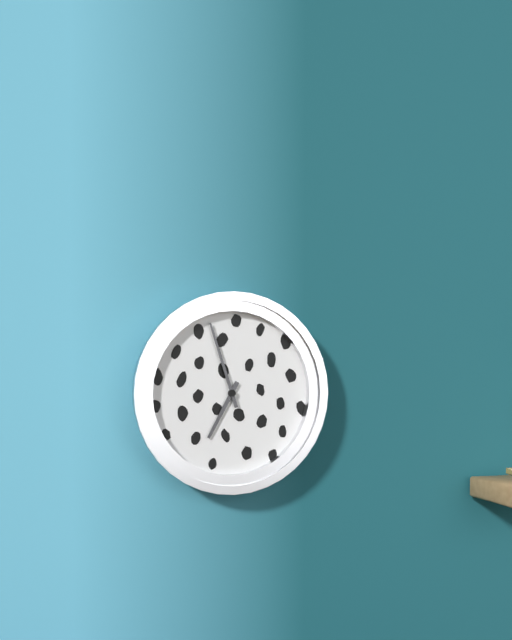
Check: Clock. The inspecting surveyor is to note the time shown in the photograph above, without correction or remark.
6:57
